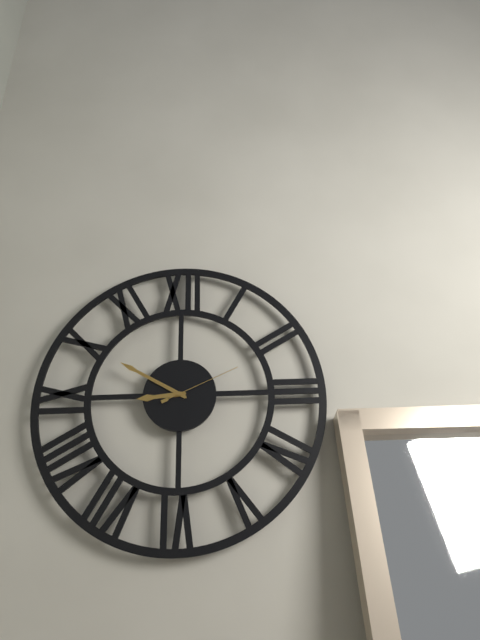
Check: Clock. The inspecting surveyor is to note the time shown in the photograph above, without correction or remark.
8:50:11
